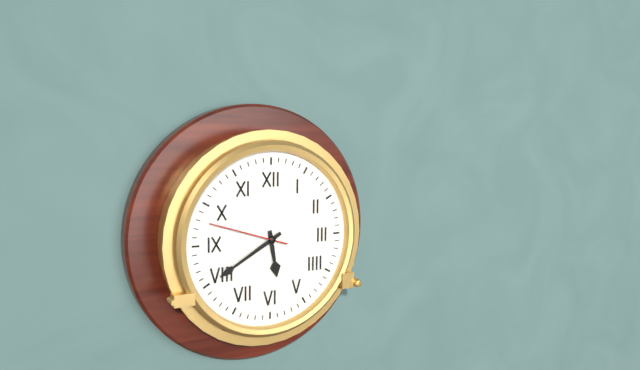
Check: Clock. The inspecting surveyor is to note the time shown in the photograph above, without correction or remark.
5:40:48
